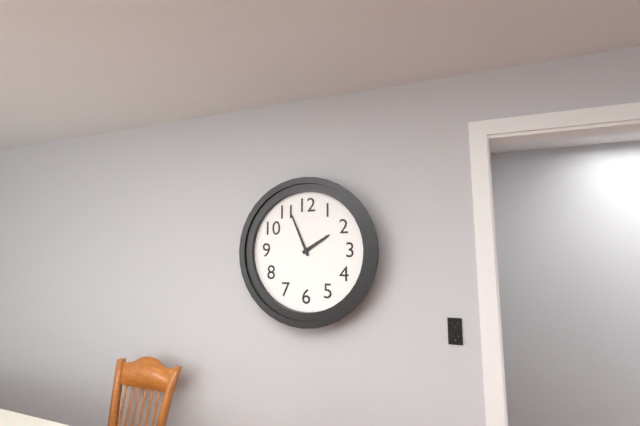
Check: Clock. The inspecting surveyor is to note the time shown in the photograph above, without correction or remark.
1:56
